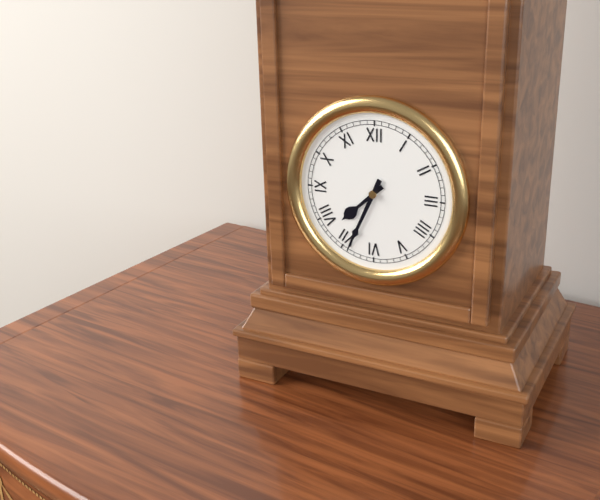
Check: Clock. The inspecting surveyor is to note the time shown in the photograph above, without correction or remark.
7:34
